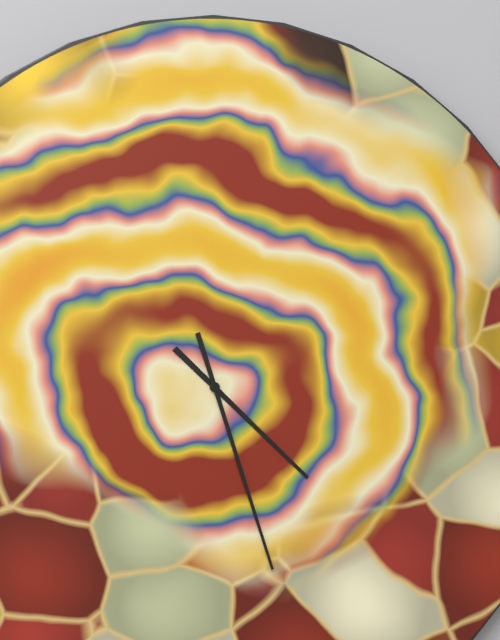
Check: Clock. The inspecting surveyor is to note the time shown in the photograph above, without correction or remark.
4:27
